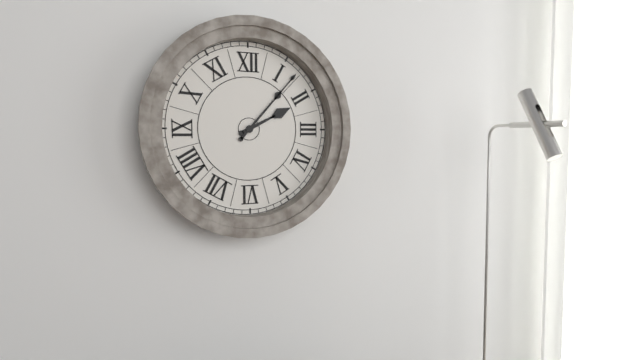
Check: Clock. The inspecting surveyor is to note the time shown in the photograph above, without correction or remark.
2:07
